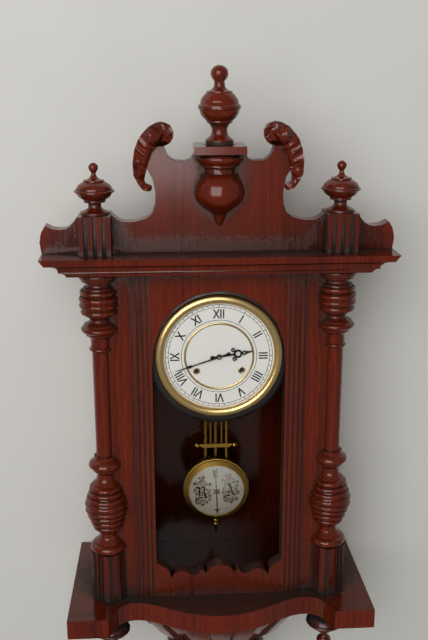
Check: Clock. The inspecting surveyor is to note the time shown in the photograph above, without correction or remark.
2:42
